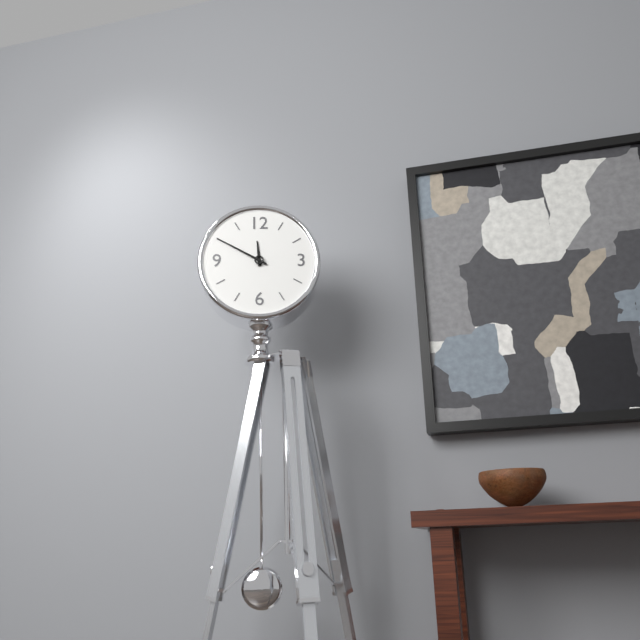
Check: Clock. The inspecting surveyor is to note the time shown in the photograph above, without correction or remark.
11:50
